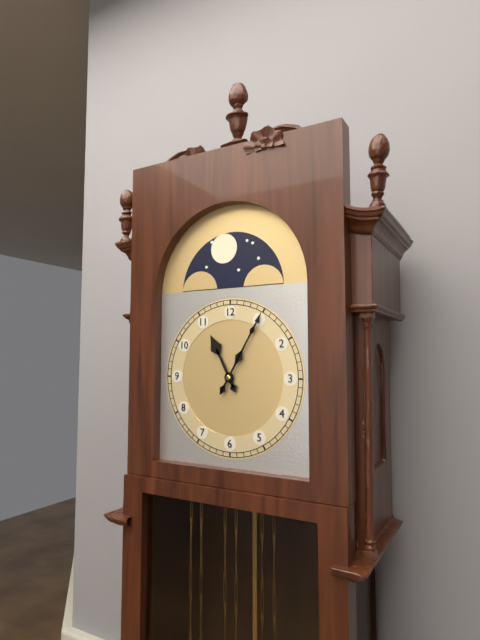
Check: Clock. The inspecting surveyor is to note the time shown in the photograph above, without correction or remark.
11:05
